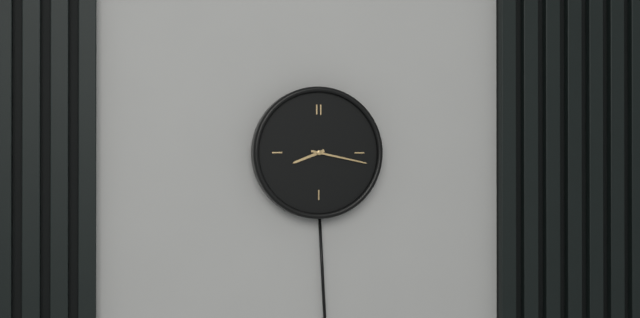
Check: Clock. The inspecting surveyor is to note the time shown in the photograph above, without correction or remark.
8:17
